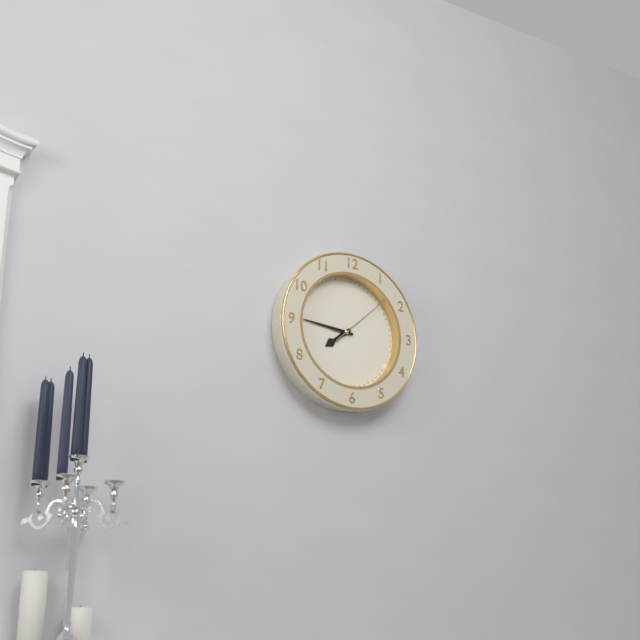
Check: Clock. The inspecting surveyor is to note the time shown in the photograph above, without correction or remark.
7:46:08
